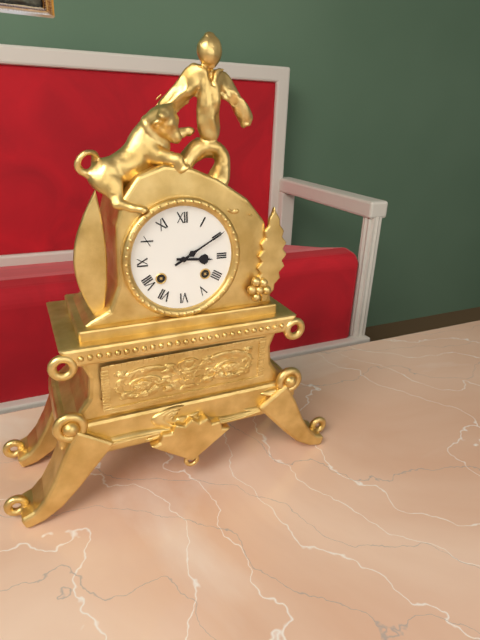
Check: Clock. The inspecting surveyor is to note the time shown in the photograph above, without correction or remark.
3:10
